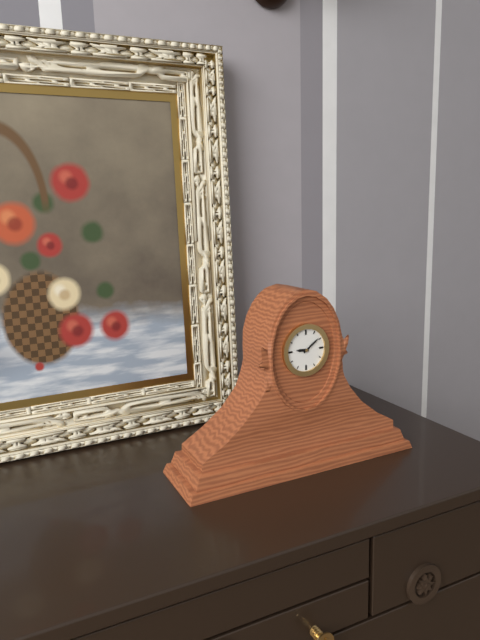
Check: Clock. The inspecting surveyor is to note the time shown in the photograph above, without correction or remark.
9:09
